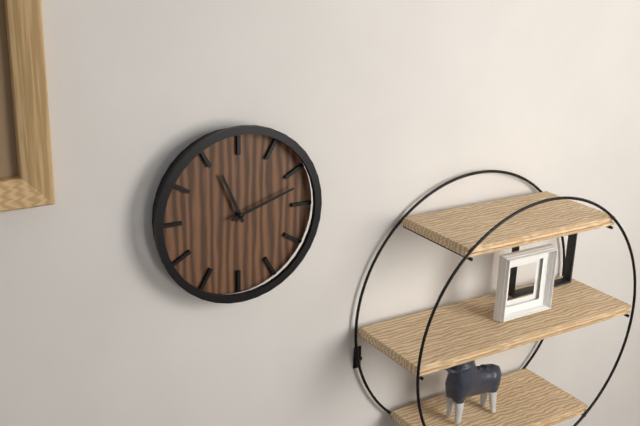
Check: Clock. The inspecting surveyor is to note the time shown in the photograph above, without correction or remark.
11:12
